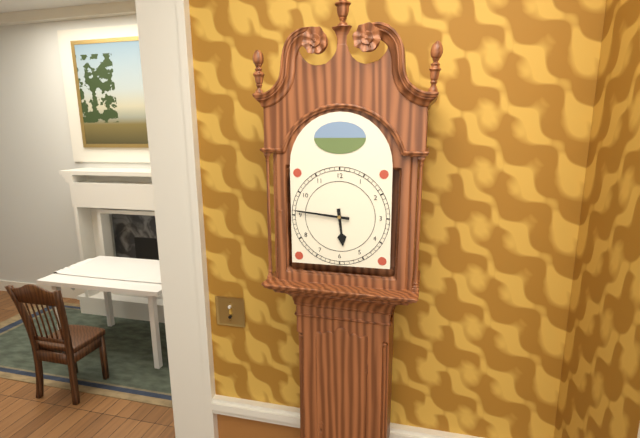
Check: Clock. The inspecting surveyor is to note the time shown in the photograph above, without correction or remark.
5:46
